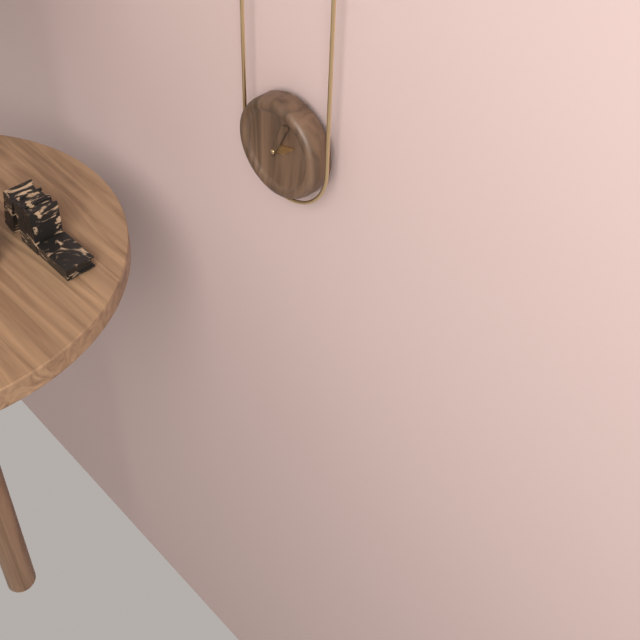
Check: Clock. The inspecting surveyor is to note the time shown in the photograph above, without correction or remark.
2:04
